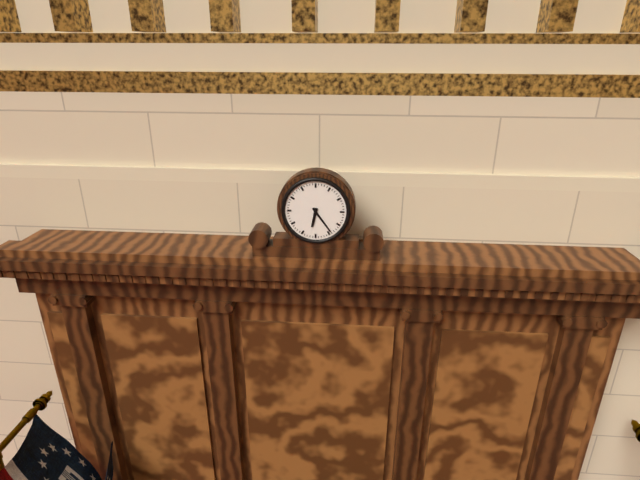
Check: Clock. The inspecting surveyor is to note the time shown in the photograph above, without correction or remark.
6:24
